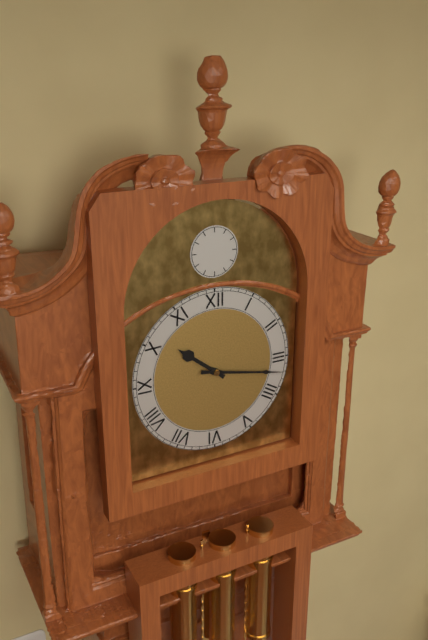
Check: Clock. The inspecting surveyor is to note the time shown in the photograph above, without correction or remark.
10:17
